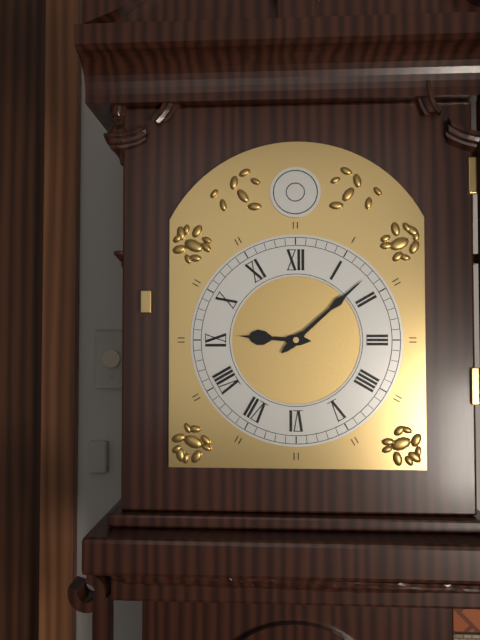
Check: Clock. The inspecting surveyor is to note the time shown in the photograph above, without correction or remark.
9:08
